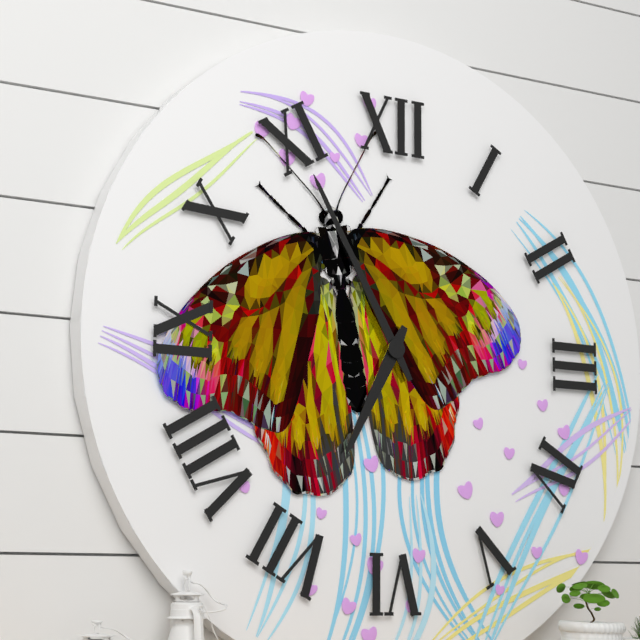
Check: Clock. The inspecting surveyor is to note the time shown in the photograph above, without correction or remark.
6:55
